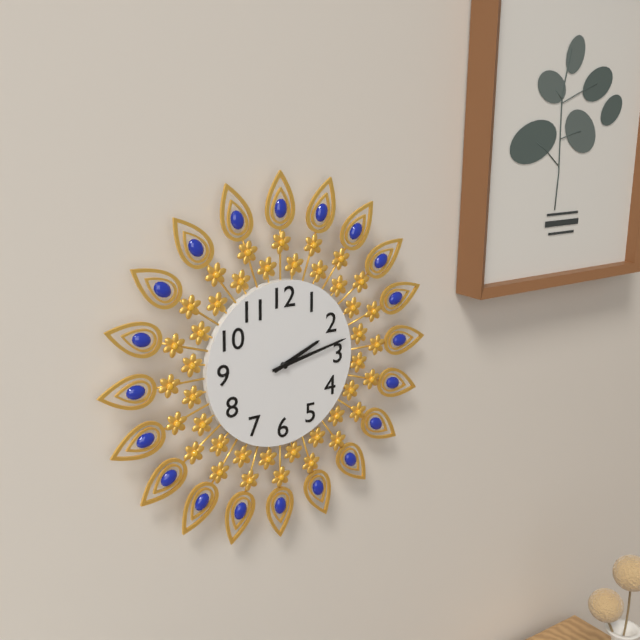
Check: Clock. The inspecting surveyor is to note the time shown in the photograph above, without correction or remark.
2:13
